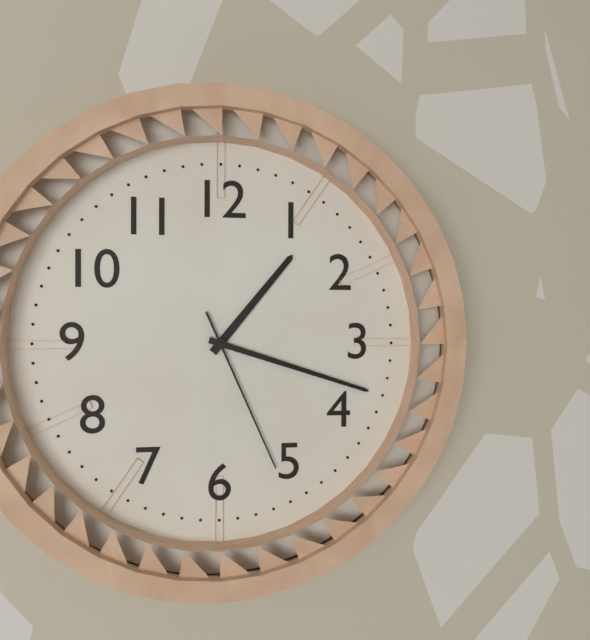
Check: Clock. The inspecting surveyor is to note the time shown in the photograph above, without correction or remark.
1:18:26
